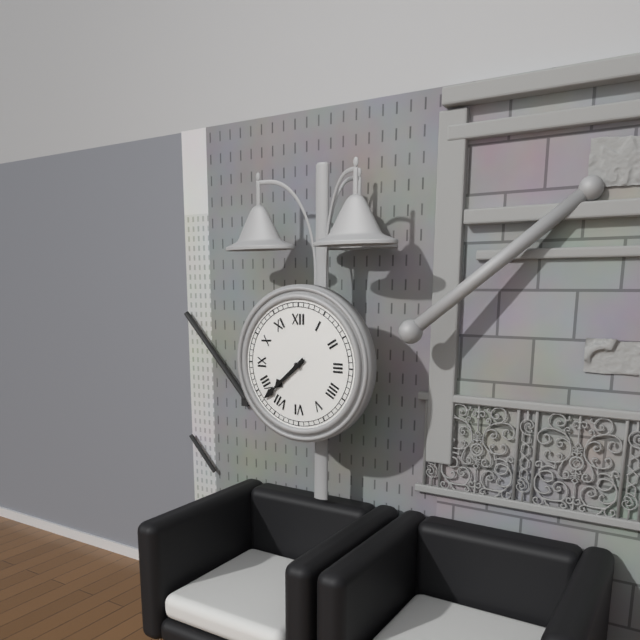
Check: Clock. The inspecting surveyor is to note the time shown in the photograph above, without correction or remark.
7:38
